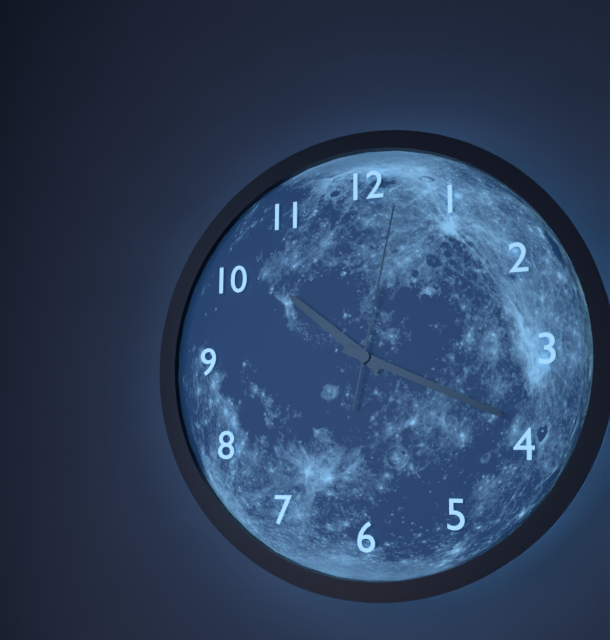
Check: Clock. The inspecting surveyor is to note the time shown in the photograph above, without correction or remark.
10:19:02
